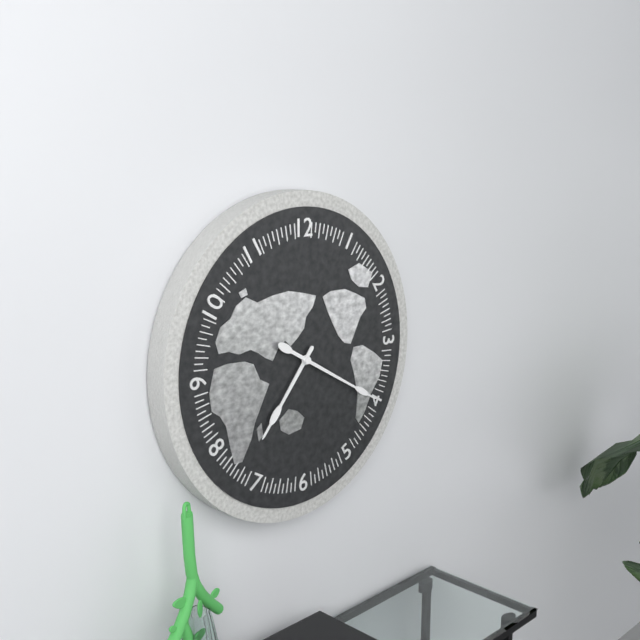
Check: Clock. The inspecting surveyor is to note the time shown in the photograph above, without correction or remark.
7:20
